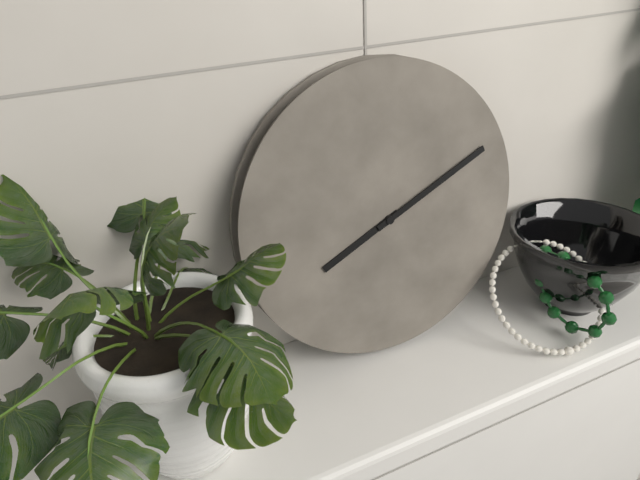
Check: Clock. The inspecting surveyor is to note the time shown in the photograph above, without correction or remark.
8:11
